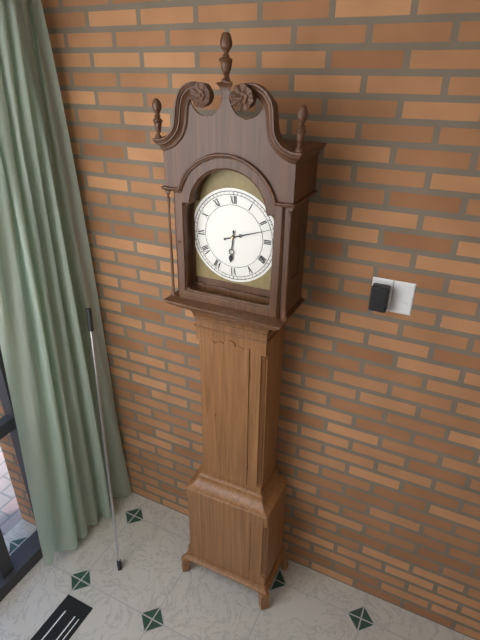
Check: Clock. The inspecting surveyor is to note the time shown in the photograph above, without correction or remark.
6:12
